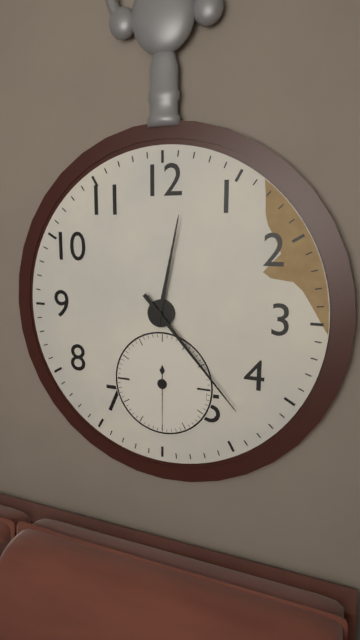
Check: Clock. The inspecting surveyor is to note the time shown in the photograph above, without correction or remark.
12:23:30
